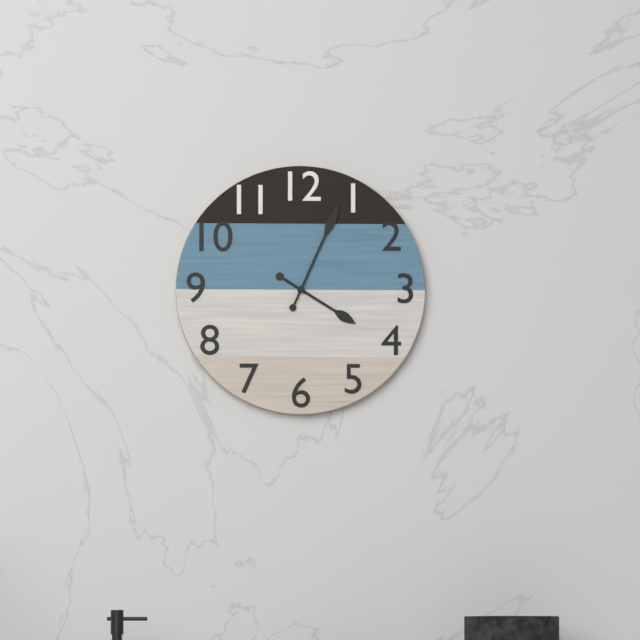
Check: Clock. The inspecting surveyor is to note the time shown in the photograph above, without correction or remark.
4:04
